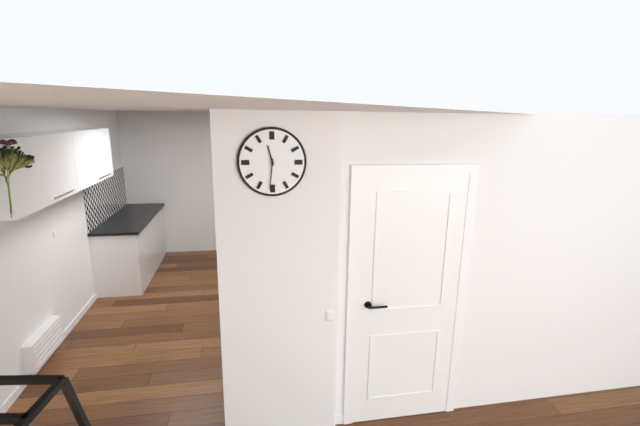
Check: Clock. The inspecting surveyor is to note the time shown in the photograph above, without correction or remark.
11:31
